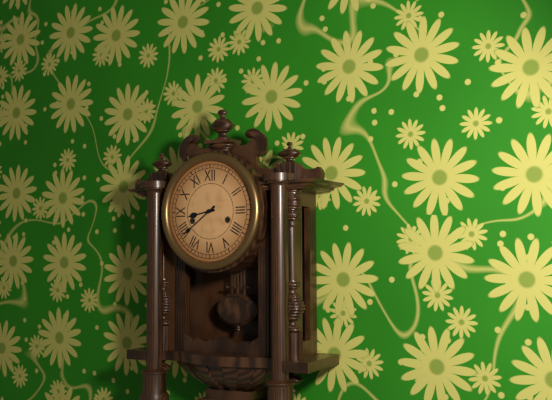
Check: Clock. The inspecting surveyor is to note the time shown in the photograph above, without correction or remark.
8:39
